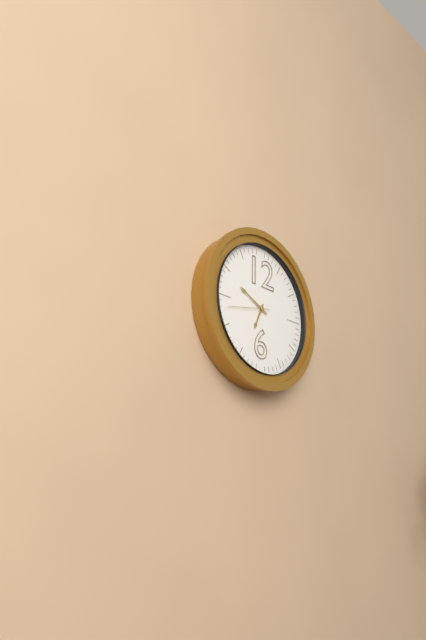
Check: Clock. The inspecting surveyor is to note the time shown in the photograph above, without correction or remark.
6:49
